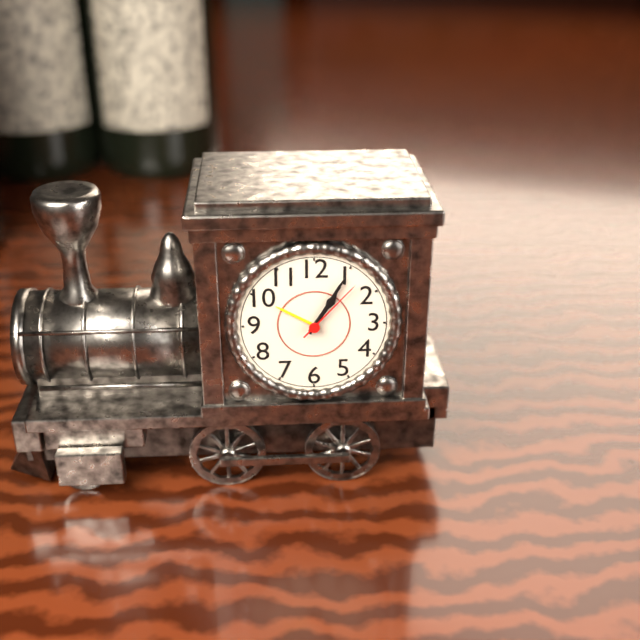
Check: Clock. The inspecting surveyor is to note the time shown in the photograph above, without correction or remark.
1:05:07
